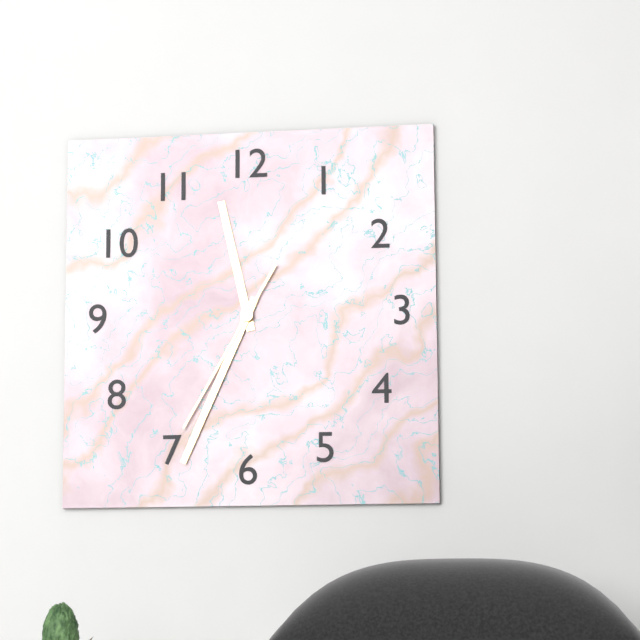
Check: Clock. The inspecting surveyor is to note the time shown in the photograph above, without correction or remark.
11:34:35
